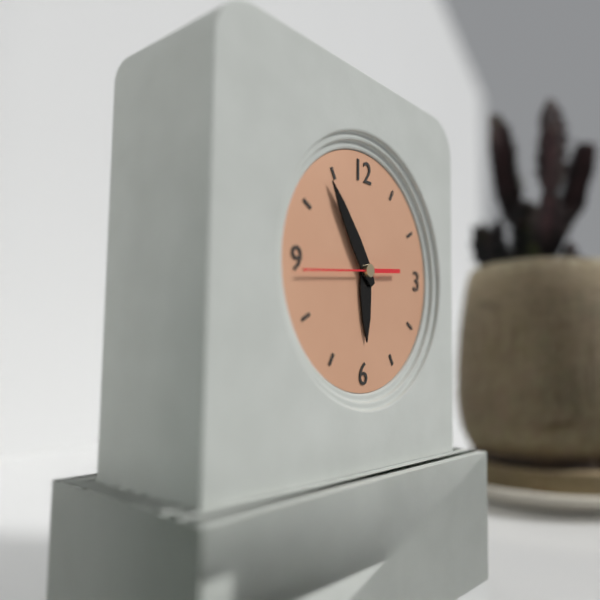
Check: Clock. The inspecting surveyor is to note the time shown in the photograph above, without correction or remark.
5:54:44
